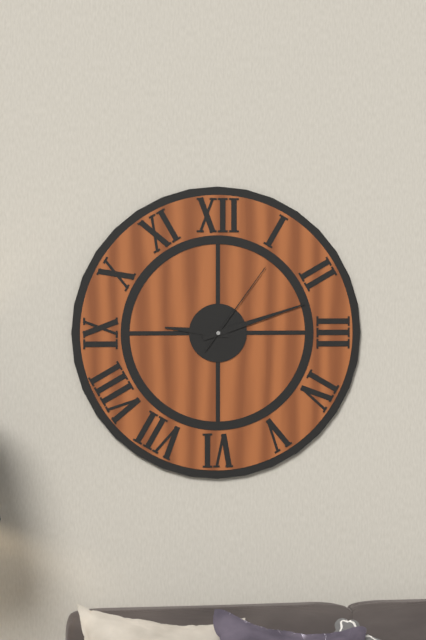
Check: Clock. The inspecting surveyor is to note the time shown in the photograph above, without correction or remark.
9:12:06
